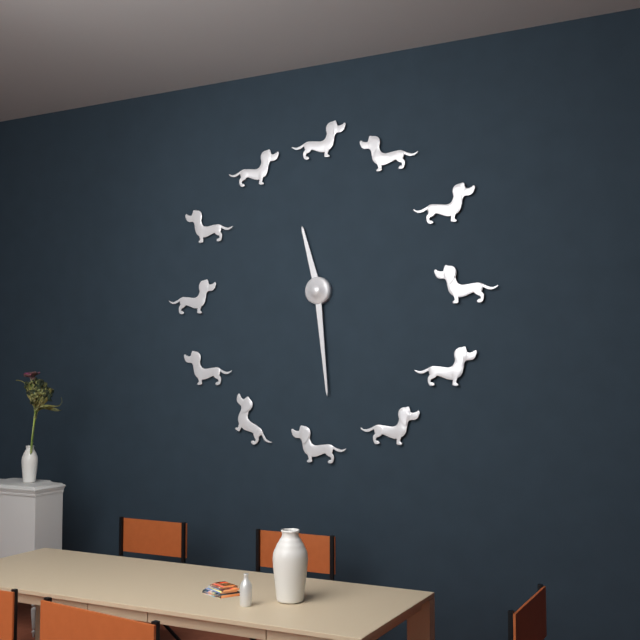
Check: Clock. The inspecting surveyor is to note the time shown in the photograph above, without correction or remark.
11:29
